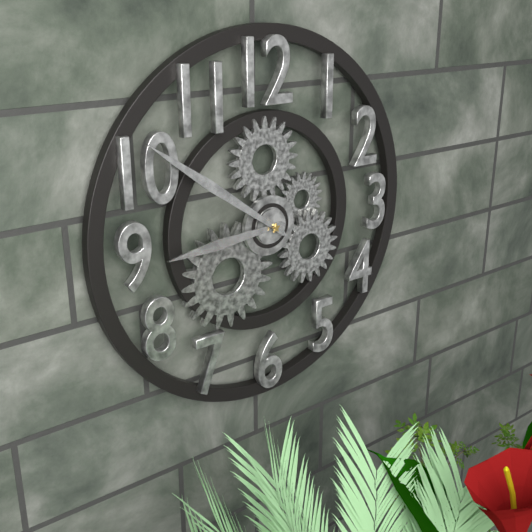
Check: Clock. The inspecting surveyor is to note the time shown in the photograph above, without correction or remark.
8:51
